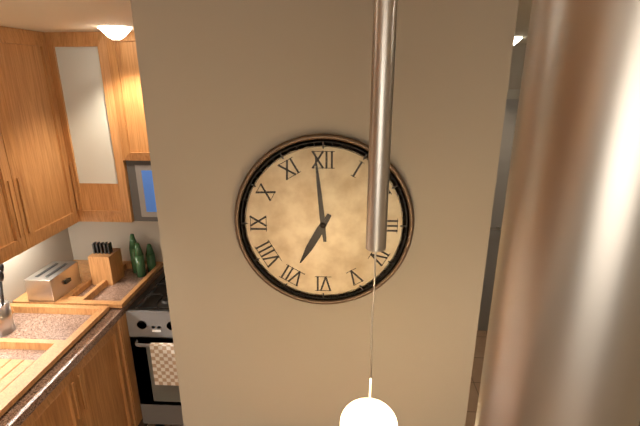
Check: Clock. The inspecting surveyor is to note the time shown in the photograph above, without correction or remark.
6:59
